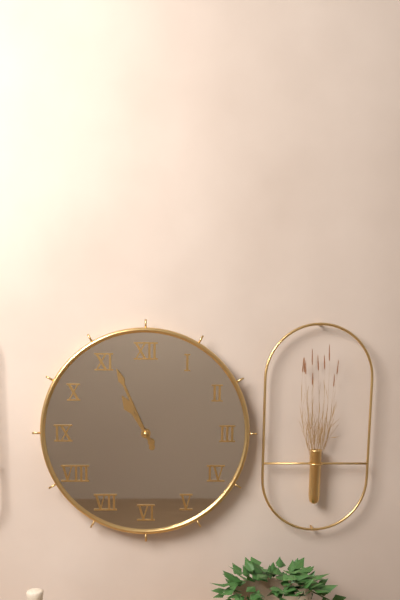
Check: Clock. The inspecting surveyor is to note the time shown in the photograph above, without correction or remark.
10:56
